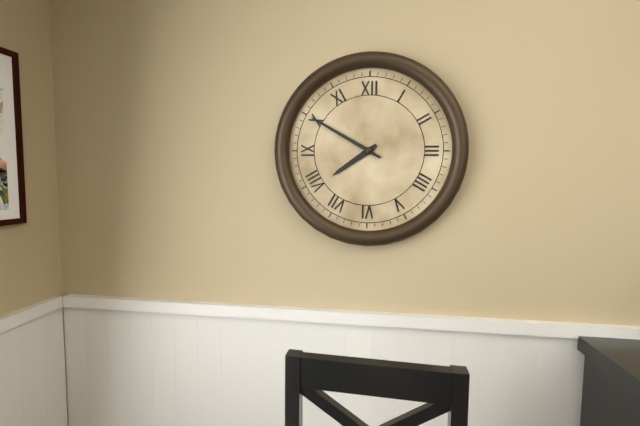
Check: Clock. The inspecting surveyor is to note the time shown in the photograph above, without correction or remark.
7:50
